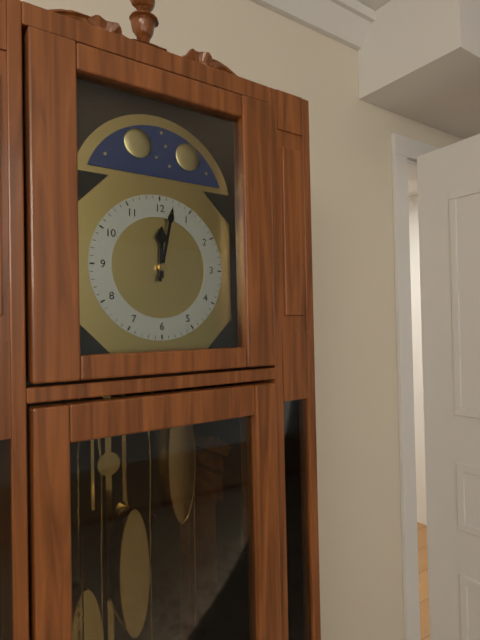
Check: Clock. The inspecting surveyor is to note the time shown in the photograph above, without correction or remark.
12:02
